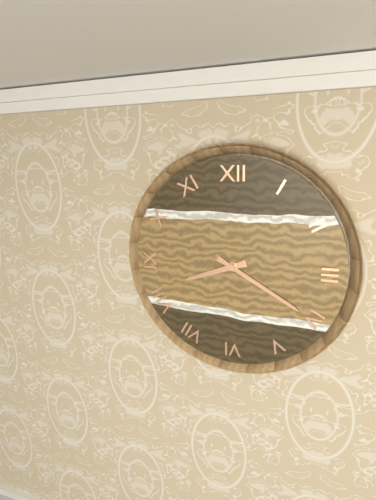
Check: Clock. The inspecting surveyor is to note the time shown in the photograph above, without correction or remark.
8:20
